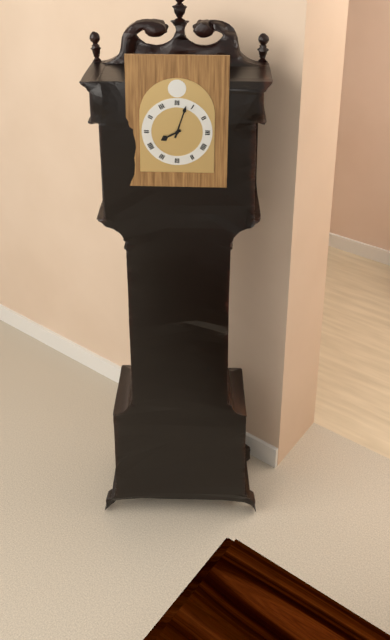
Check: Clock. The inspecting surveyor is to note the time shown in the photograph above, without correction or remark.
8:03
